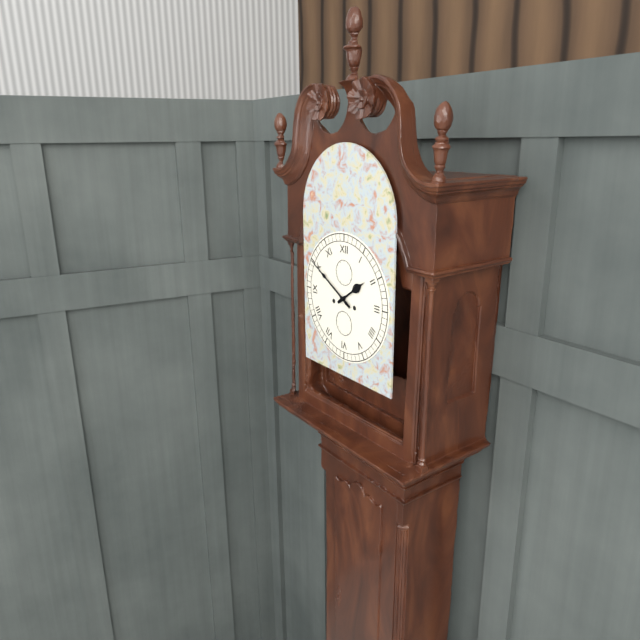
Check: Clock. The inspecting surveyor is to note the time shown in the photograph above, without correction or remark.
1:50
